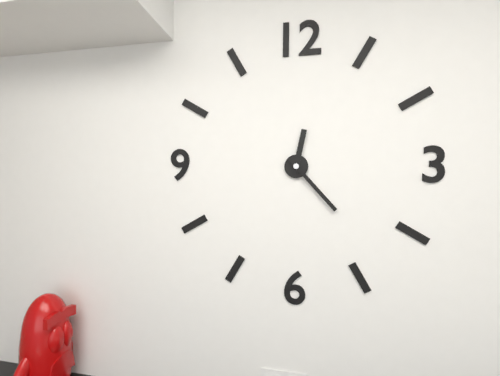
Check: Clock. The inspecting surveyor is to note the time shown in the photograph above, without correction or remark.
12:23
